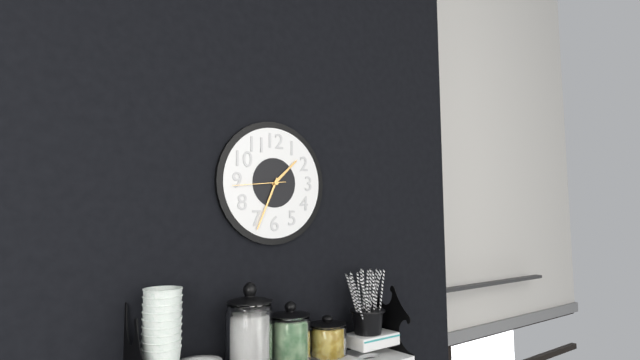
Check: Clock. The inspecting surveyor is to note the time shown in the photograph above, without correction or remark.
1:34:44
